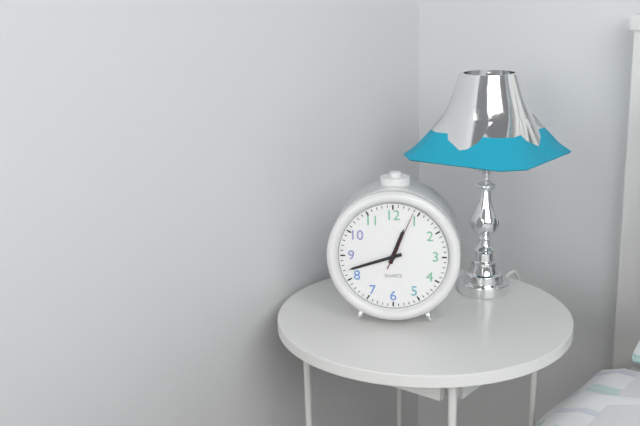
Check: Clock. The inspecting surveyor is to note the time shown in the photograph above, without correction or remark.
12:42:04
